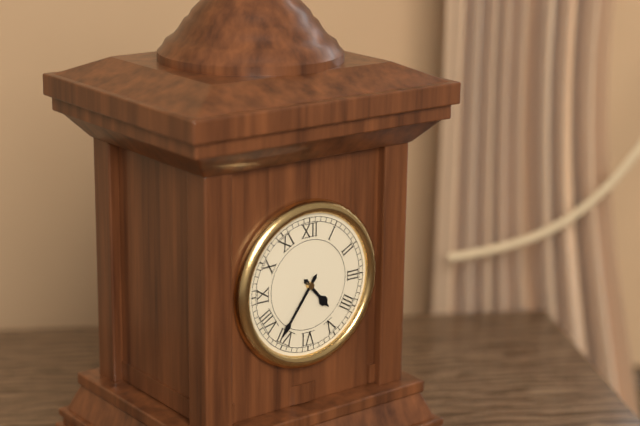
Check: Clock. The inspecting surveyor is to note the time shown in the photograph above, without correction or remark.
4:36
